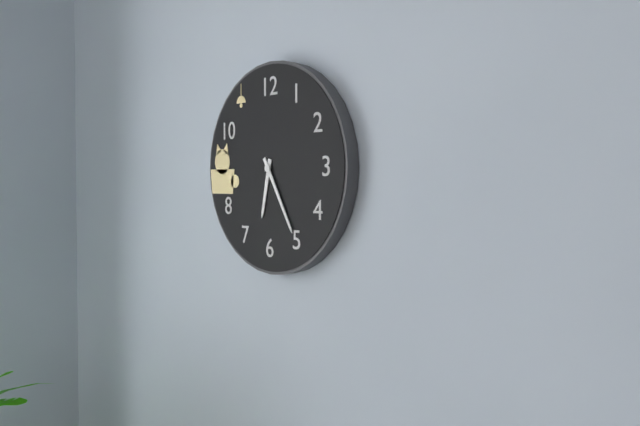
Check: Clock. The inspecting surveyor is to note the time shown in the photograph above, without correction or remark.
6:25
